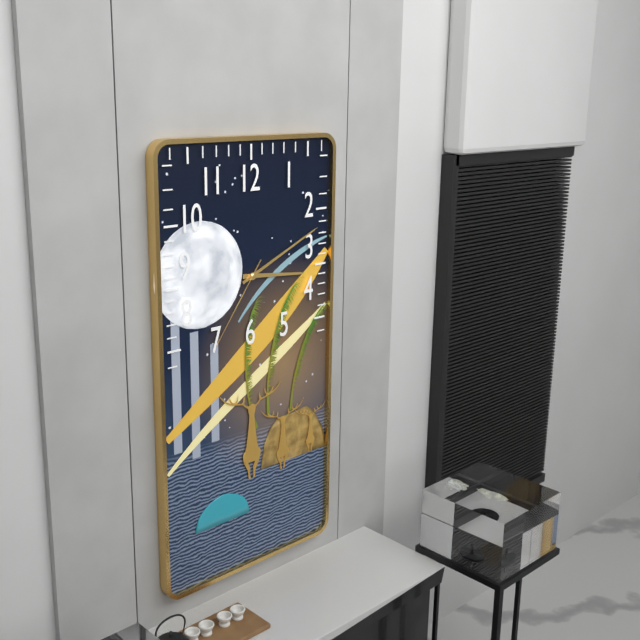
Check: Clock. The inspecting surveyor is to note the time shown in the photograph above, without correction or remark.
3:11:36
